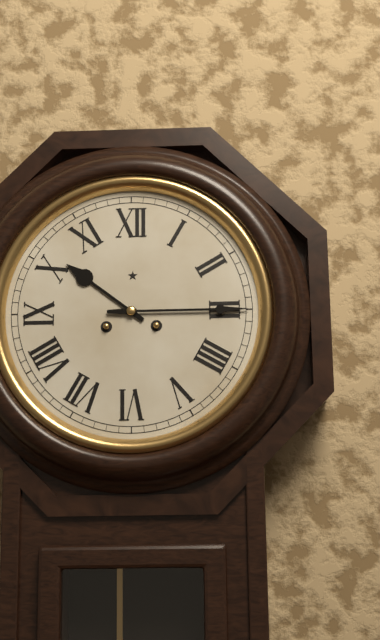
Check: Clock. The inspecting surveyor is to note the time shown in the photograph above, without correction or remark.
10:15
